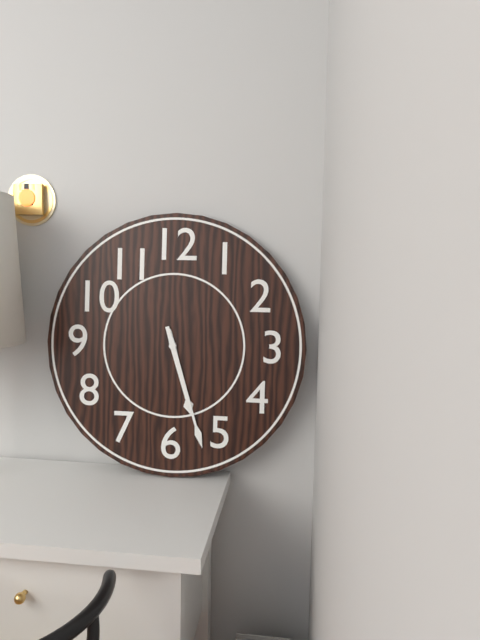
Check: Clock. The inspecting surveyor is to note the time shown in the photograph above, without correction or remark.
5:27
